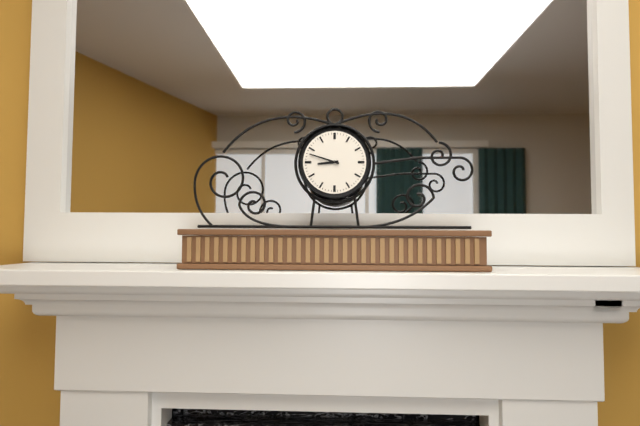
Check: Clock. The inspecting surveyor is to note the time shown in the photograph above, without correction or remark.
8:48
